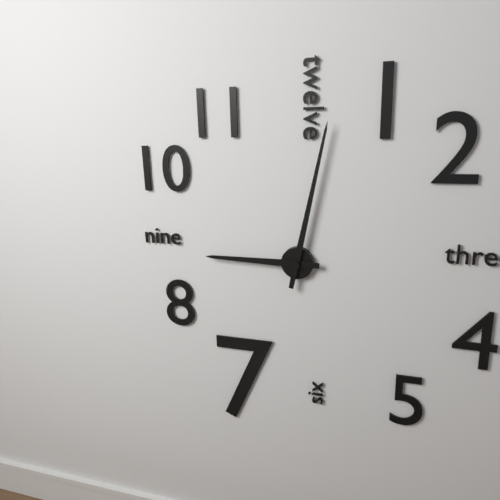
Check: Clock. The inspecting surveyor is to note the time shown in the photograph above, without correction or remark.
9:02
